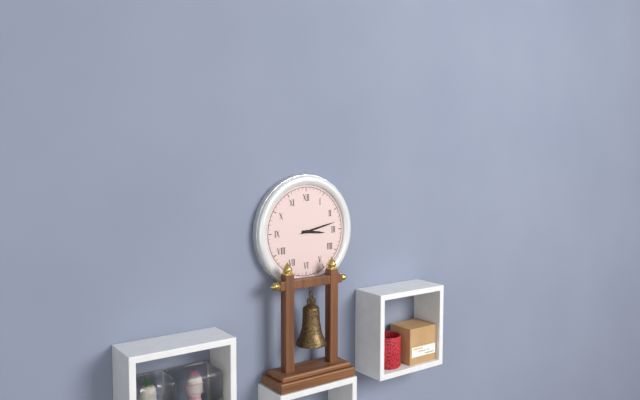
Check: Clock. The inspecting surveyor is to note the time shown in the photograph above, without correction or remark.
3:13
